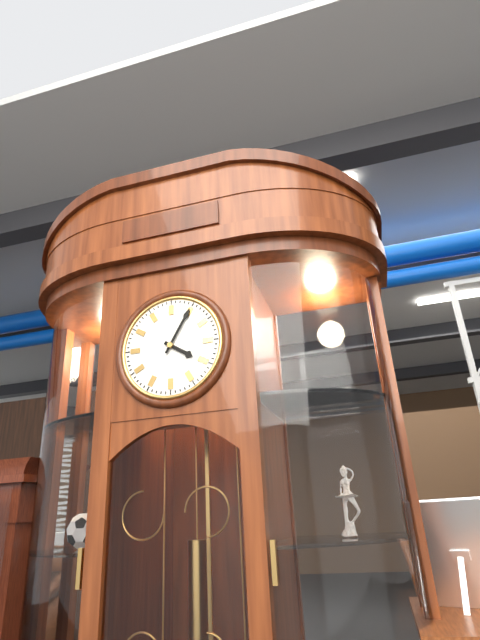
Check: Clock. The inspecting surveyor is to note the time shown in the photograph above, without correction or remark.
4:05
